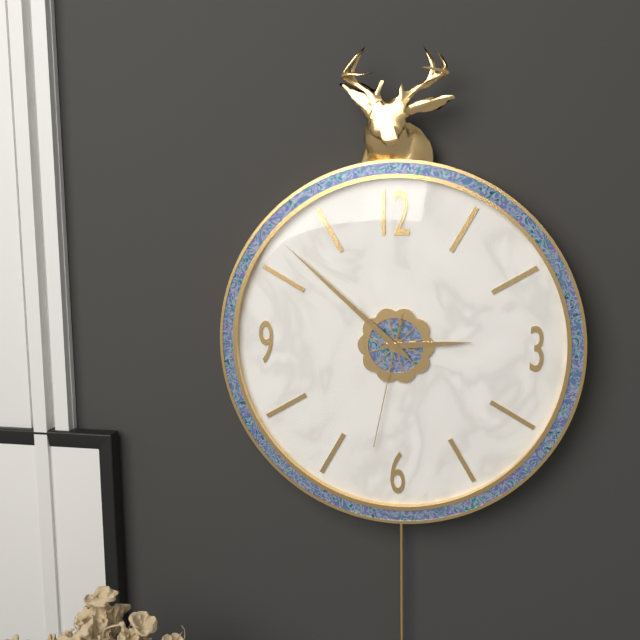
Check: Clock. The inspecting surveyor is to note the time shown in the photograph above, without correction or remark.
2:52:32
